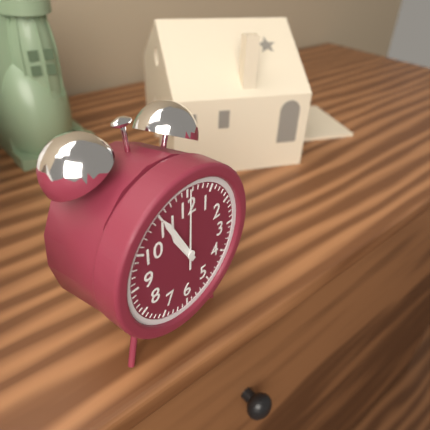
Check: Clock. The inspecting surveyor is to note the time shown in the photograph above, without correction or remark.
10:55:00
